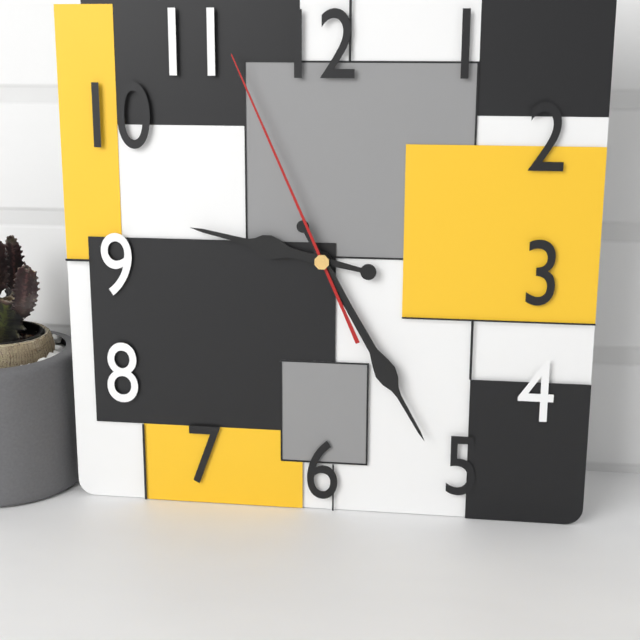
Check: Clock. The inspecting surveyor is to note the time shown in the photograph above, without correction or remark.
9:25:56
